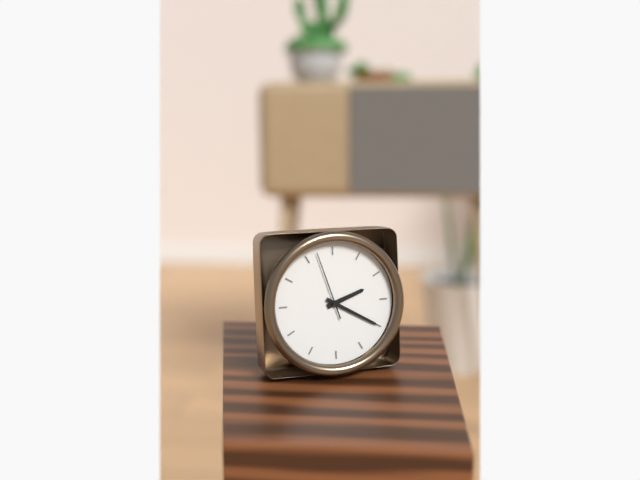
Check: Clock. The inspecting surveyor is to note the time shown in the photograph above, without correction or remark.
2:20:57
